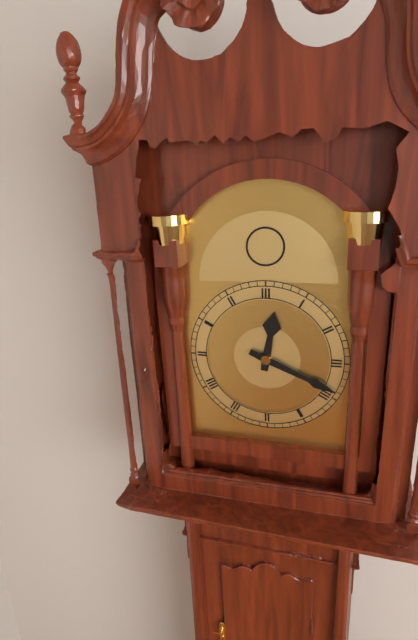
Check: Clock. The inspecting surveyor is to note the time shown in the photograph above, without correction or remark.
12:19
